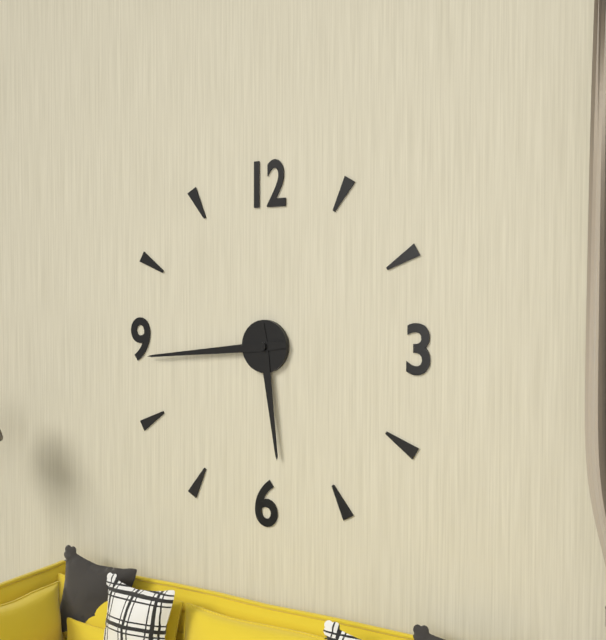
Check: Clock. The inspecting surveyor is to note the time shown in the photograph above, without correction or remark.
5:44
